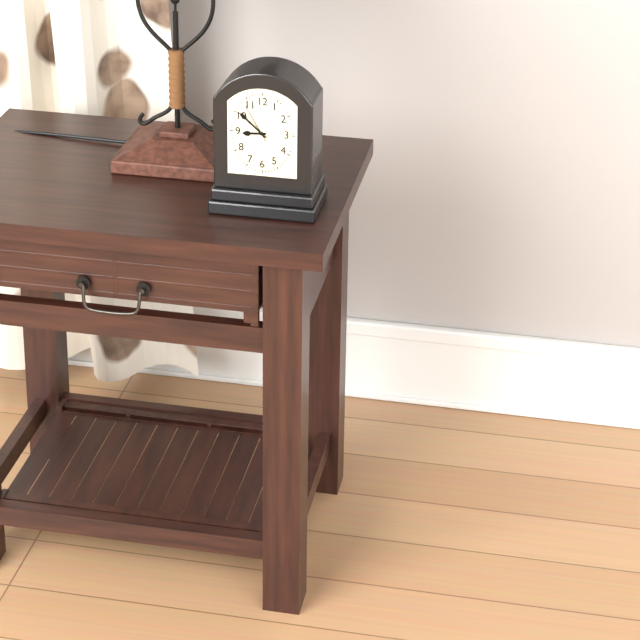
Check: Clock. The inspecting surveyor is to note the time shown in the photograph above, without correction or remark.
8:52
